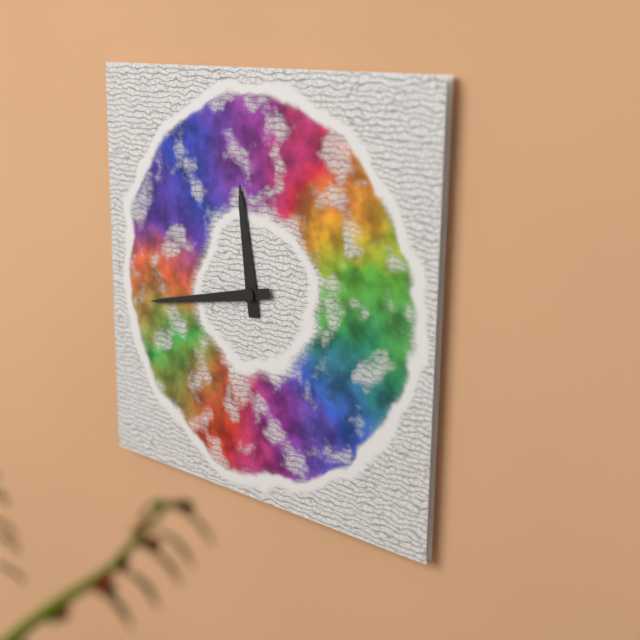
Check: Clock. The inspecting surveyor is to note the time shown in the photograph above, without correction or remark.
11:43
